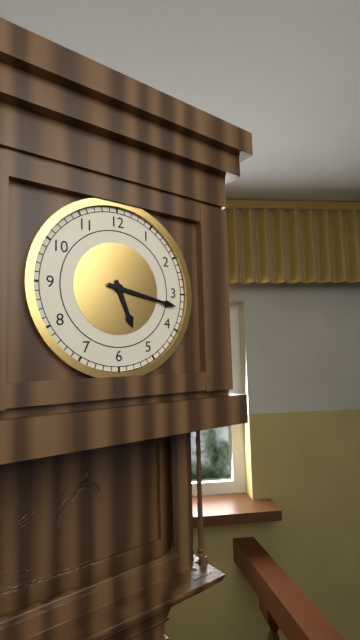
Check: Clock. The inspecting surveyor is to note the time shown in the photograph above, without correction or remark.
5:17
